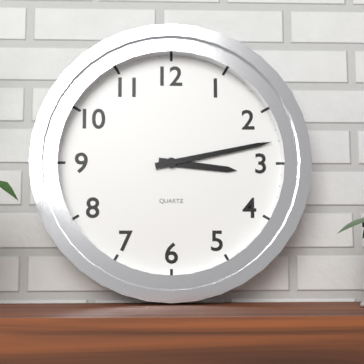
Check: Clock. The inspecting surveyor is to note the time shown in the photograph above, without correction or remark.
3:13
